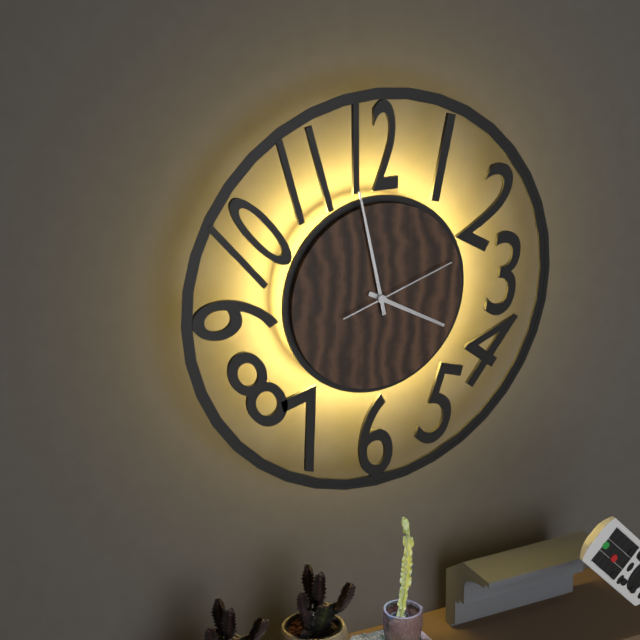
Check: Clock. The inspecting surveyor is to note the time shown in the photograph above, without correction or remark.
3:58:12
